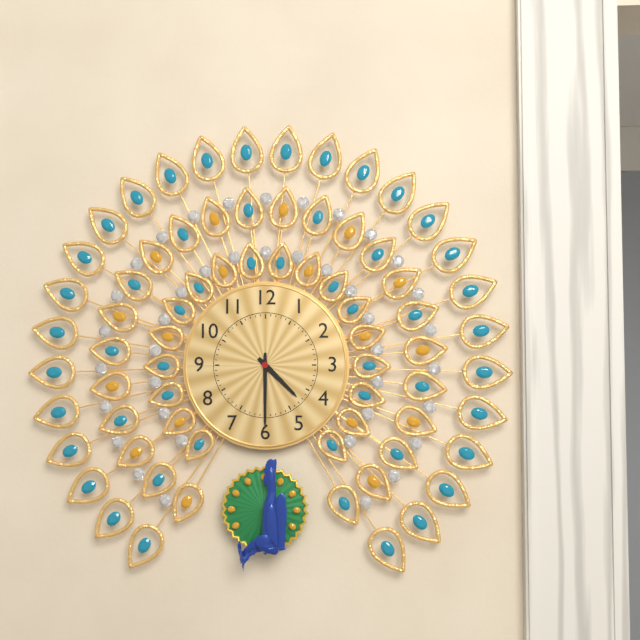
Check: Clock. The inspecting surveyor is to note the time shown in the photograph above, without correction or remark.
4:30
